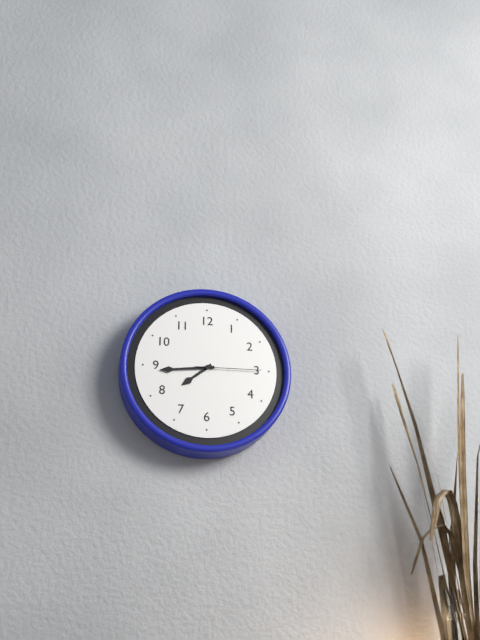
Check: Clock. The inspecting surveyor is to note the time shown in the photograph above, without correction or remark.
7:44:15
